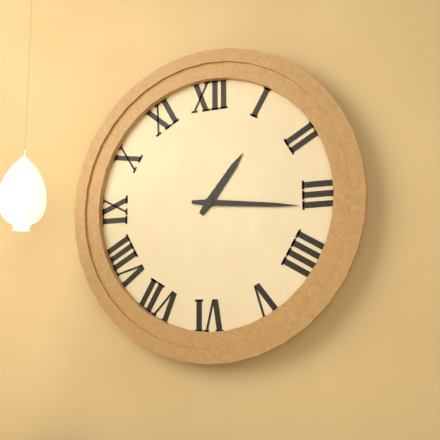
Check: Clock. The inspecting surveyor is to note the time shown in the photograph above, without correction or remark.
1:16
